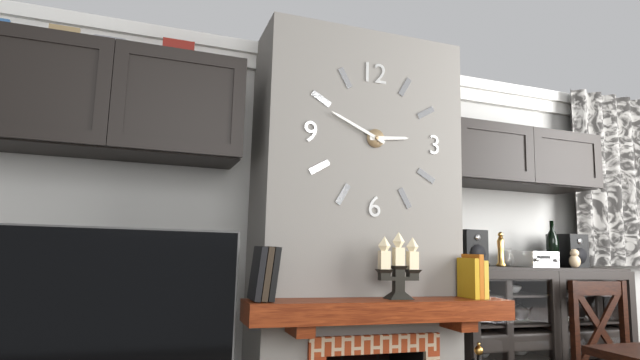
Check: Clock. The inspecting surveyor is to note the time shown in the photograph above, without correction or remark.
2:49
